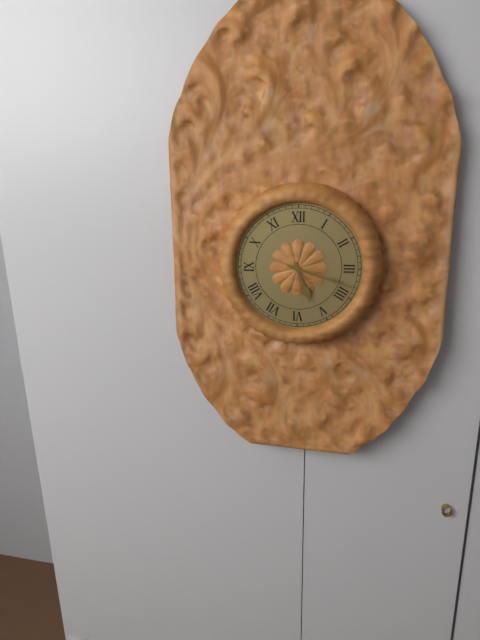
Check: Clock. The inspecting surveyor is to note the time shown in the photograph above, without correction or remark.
5:18
